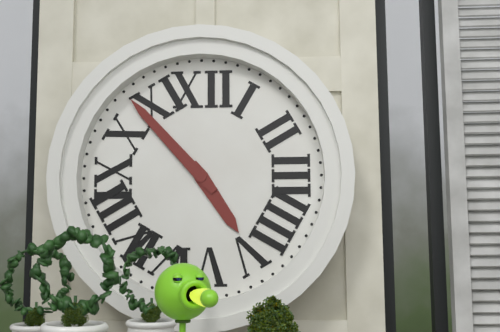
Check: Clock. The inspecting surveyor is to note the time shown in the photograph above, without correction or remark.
4:53
